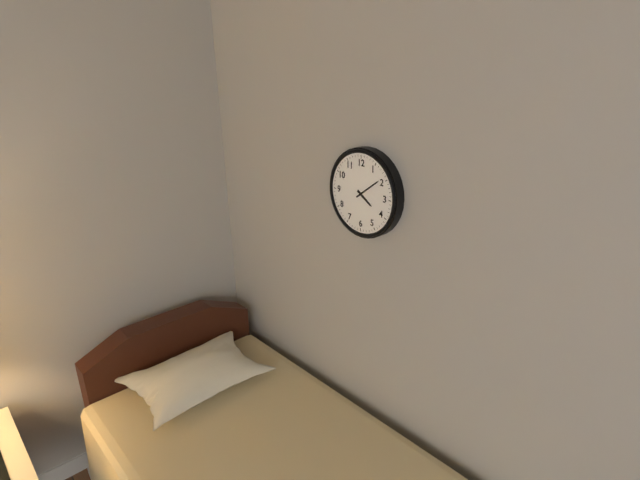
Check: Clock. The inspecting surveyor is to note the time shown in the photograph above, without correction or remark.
4:09
